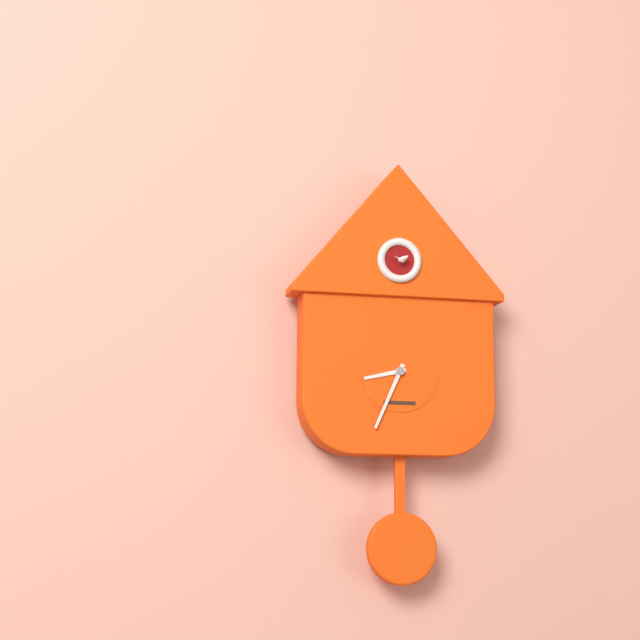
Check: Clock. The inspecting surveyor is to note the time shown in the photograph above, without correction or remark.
8:34
